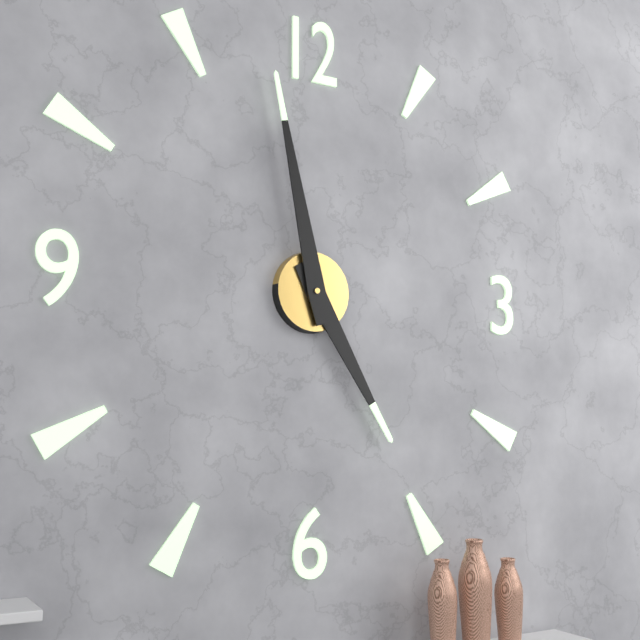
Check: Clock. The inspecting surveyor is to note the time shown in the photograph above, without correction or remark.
4:58
